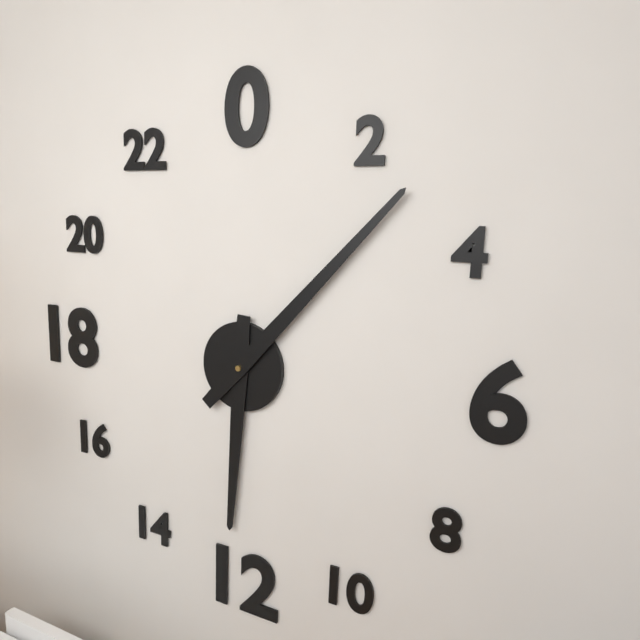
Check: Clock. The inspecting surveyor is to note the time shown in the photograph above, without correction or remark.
6:07
